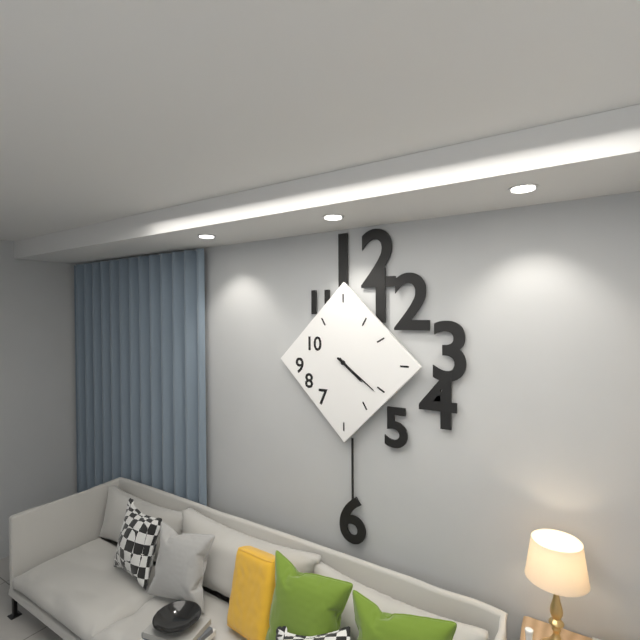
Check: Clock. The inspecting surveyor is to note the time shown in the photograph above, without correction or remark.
4:21
